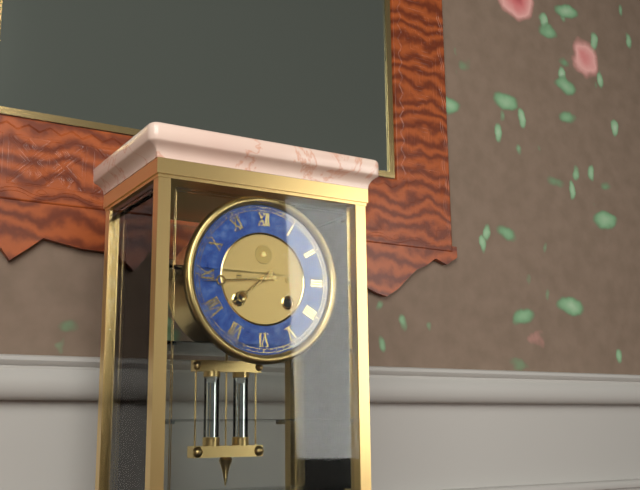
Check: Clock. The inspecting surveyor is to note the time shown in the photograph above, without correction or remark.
7:44
